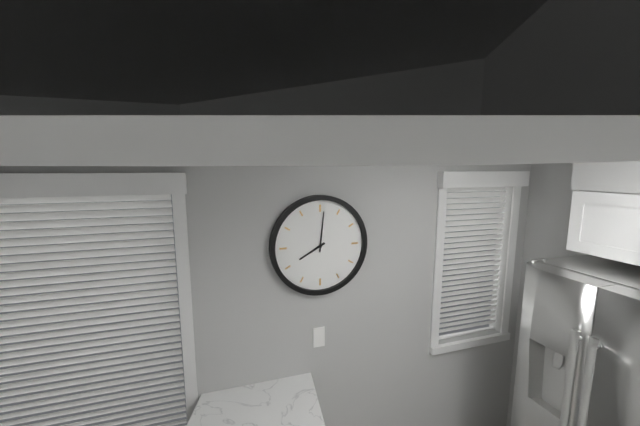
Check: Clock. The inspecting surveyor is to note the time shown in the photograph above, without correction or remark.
8:01
